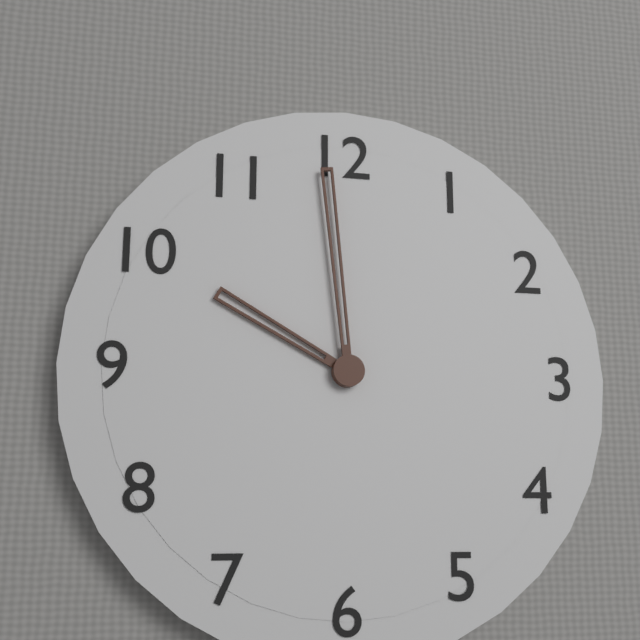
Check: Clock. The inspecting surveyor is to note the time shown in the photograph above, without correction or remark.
9:59
